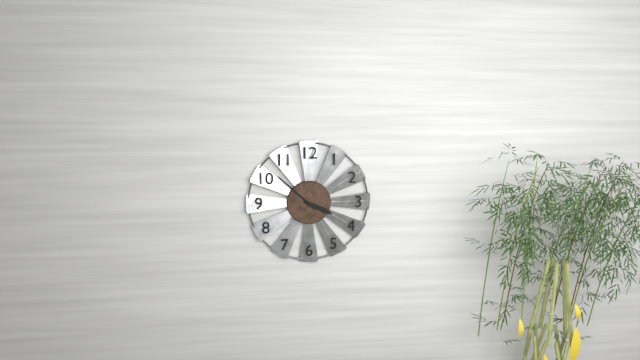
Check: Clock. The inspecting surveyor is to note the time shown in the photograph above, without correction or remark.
3:52
